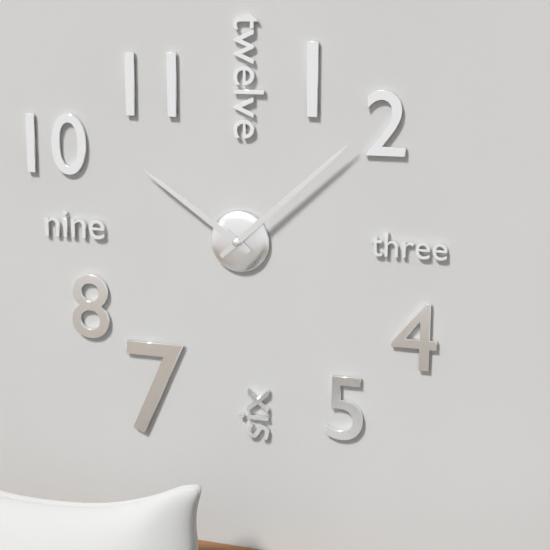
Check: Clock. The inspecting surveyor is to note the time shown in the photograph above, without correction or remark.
10:08
